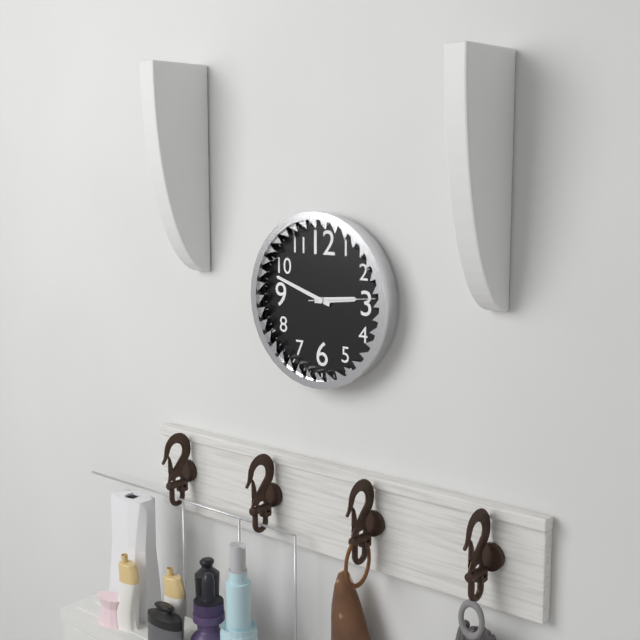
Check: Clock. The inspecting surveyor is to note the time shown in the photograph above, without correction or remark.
2:48:14
